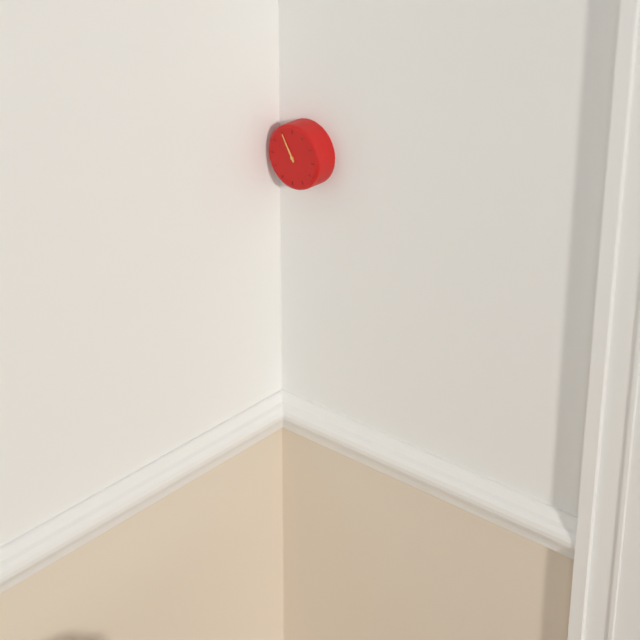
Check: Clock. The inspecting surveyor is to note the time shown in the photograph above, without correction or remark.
10:55
